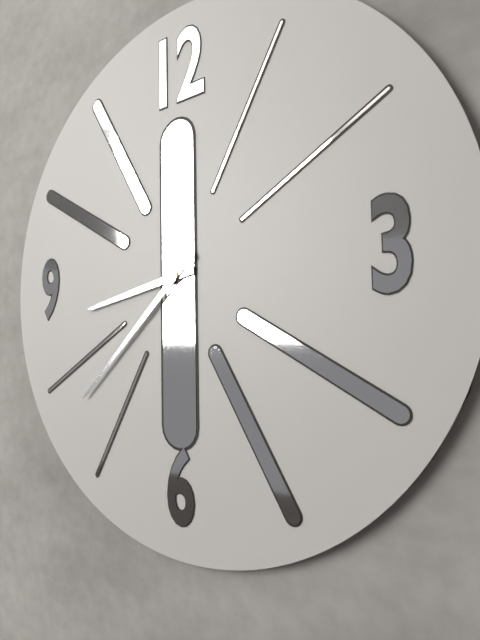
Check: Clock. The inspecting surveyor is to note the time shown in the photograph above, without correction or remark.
8:38
